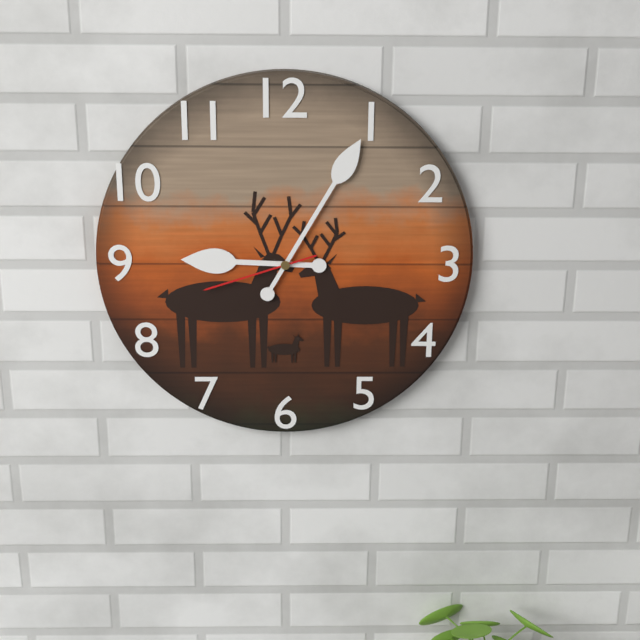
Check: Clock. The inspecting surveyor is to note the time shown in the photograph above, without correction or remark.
9:05:42
